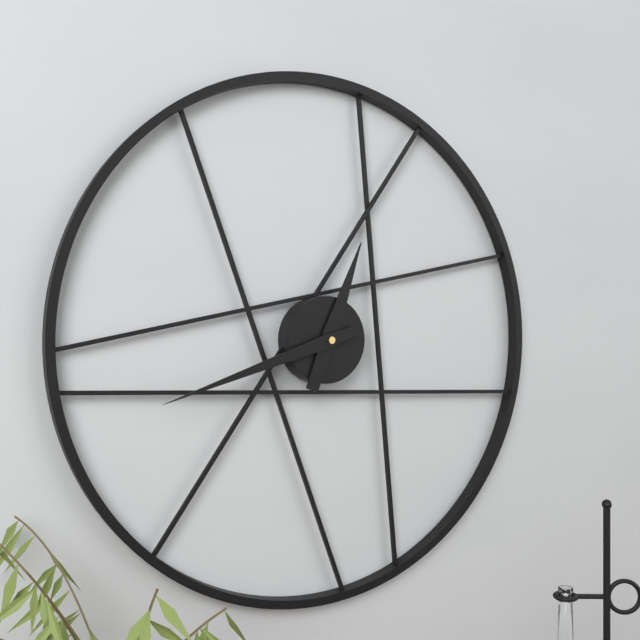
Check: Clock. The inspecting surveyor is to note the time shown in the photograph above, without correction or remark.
12:42
